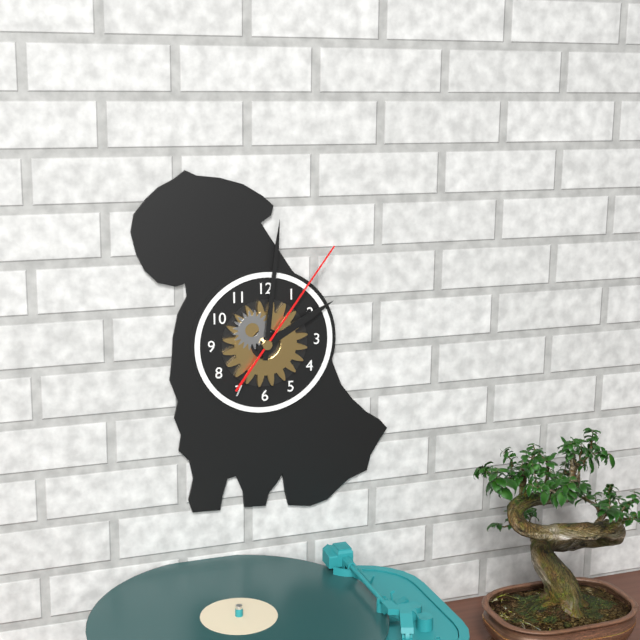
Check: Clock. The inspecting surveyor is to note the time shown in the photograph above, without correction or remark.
2:01:06
